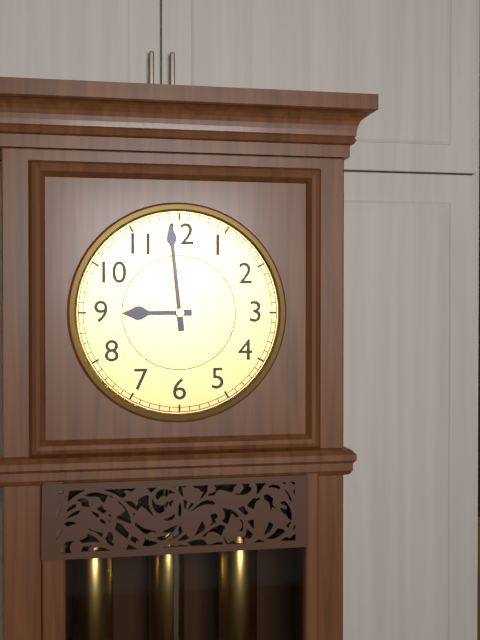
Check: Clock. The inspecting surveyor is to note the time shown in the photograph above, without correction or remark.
8:59
